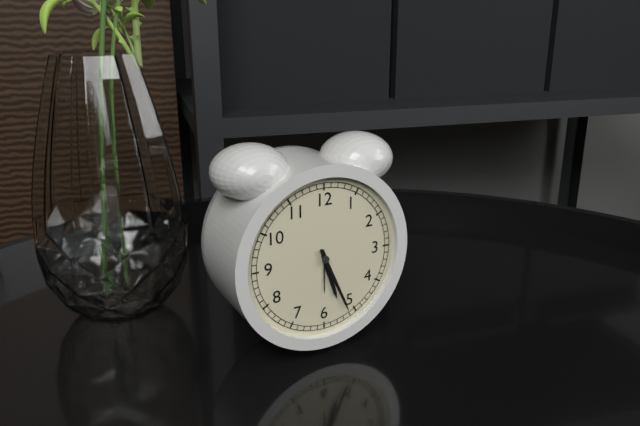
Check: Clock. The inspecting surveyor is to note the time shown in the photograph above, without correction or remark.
5:26
